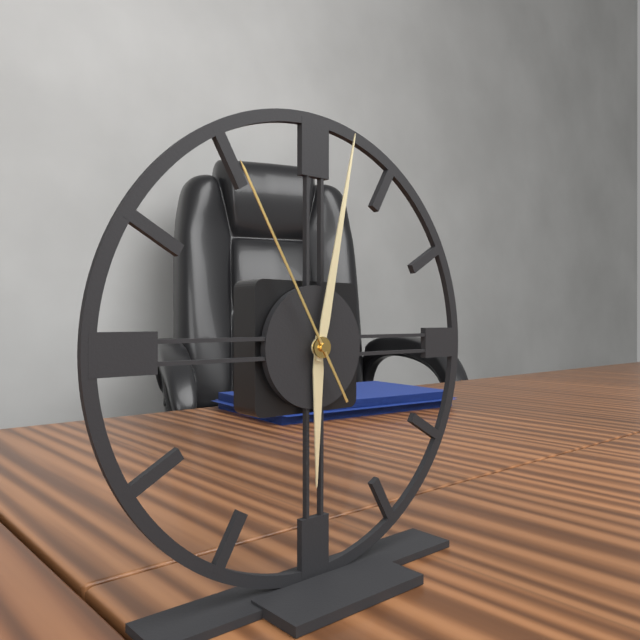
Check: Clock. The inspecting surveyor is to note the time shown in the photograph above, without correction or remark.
6:02:55
